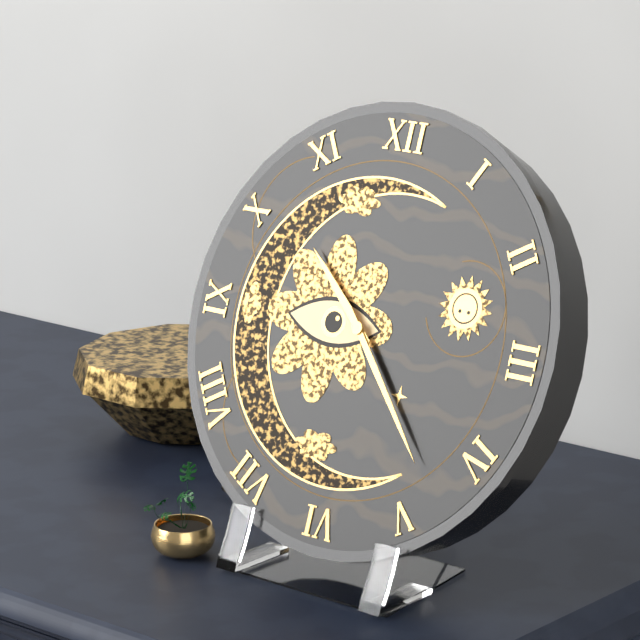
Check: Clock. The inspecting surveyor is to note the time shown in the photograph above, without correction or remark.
10:23
